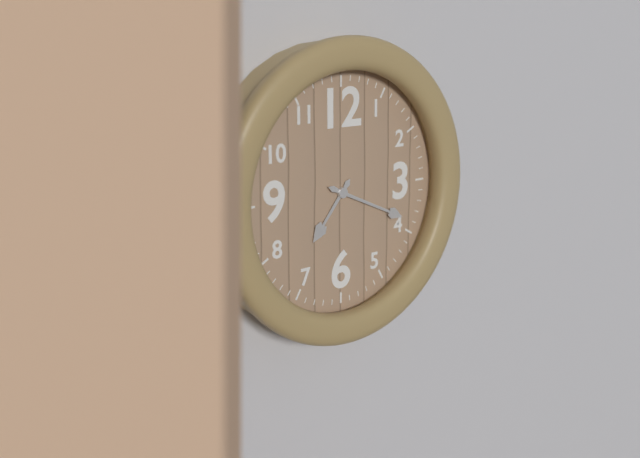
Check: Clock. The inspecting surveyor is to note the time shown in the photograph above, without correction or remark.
7:19
